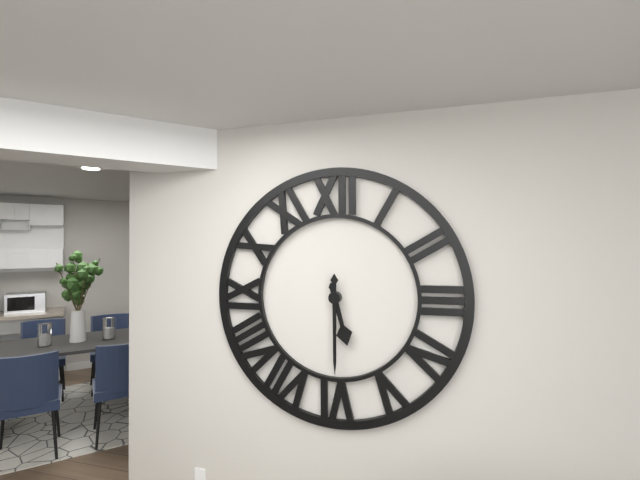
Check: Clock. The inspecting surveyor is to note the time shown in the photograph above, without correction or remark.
5:30
